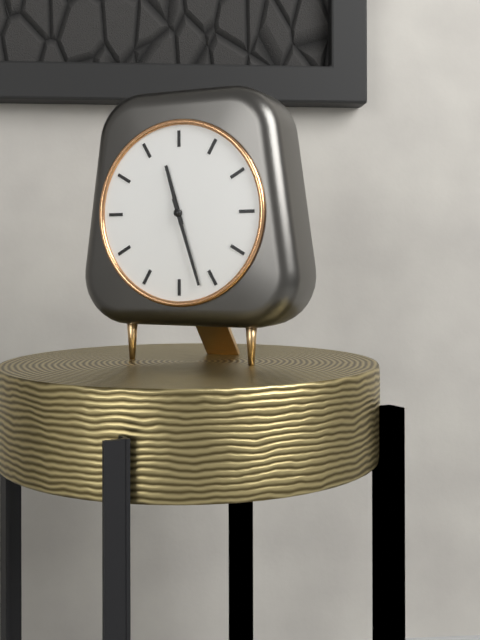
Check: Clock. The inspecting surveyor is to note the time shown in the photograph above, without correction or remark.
11:27
